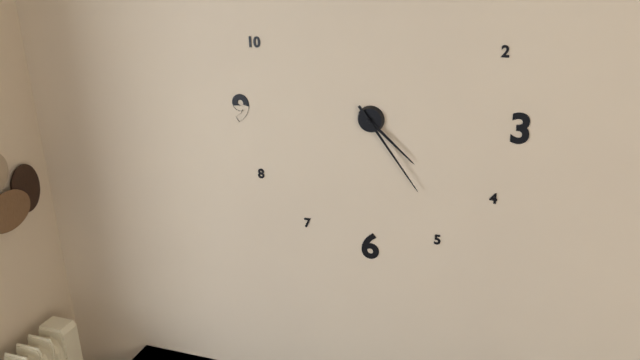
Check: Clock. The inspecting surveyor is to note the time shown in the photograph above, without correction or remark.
4:24
